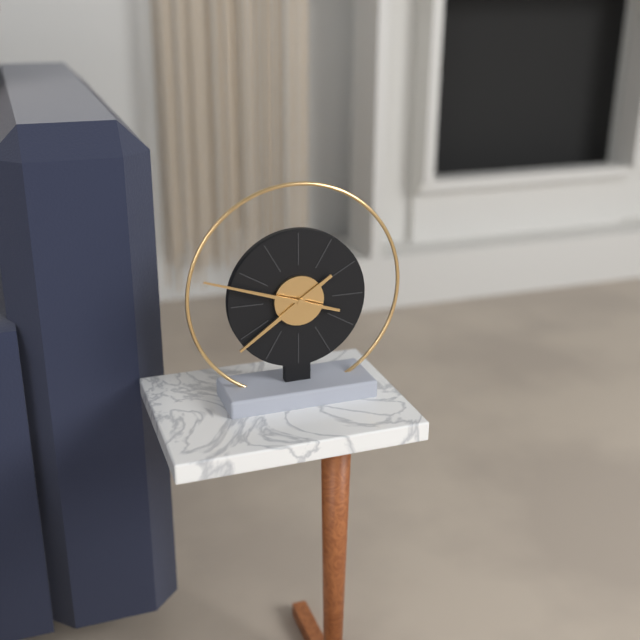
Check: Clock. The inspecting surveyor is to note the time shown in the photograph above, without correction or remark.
7:48
